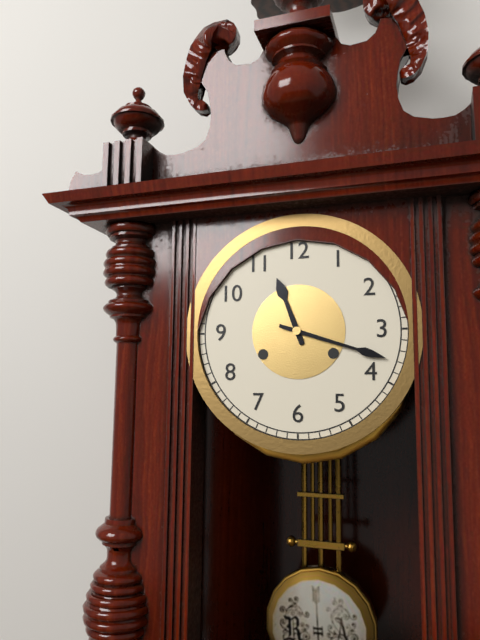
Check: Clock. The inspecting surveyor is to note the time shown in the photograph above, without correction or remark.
11:18
